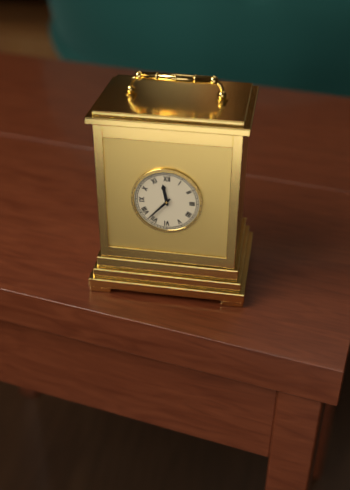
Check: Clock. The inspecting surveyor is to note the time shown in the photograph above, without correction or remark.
11:37
